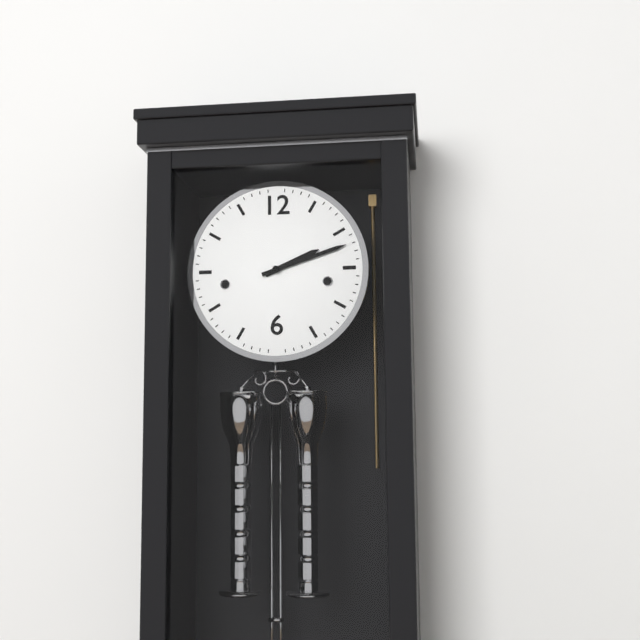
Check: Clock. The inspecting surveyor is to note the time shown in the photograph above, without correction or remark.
2:12
